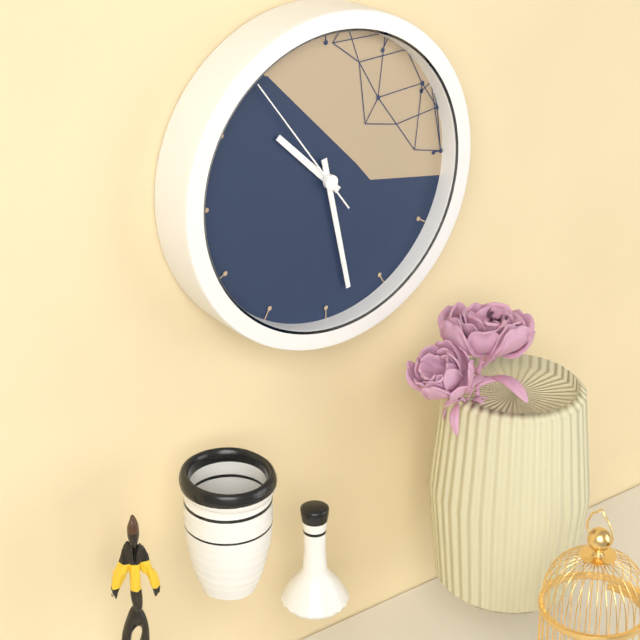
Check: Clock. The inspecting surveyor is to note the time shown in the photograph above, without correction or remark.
10:28:54
